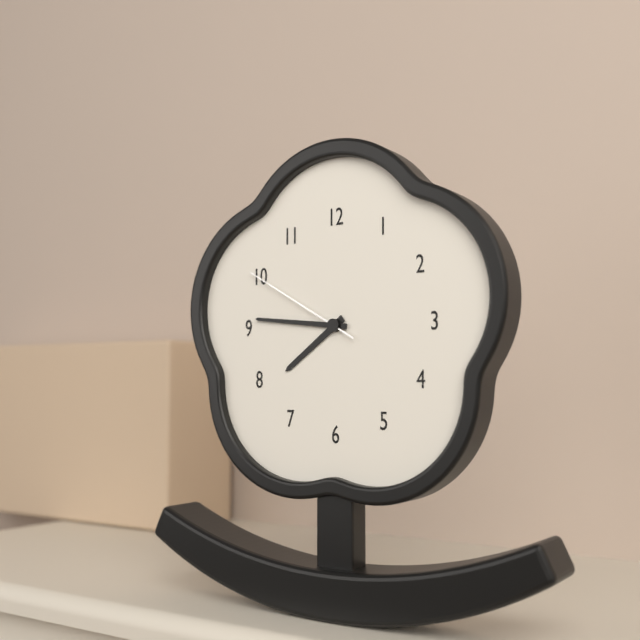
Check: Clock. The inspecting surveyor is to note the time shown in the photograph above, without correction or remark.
7:46:50
